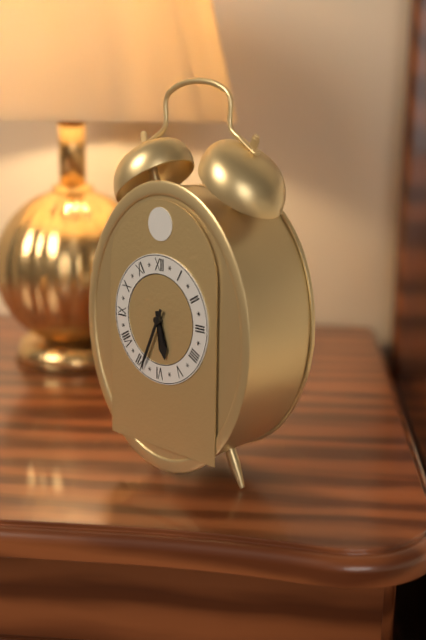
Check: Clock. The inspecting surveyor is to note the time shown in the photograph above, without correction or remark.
5:34
